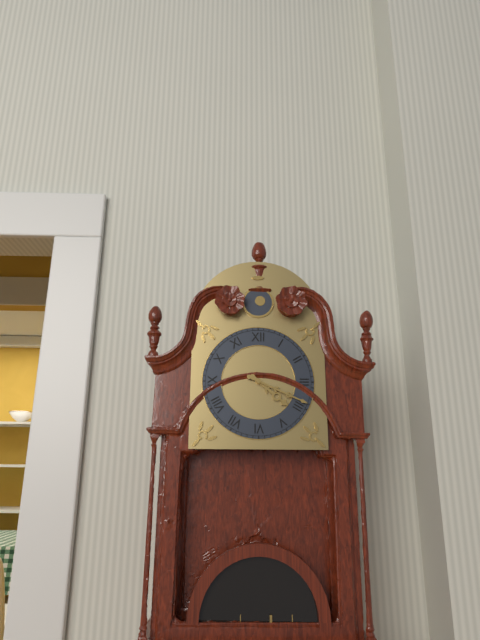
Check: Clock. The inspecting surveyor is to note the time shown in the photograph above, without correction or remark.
4:19
